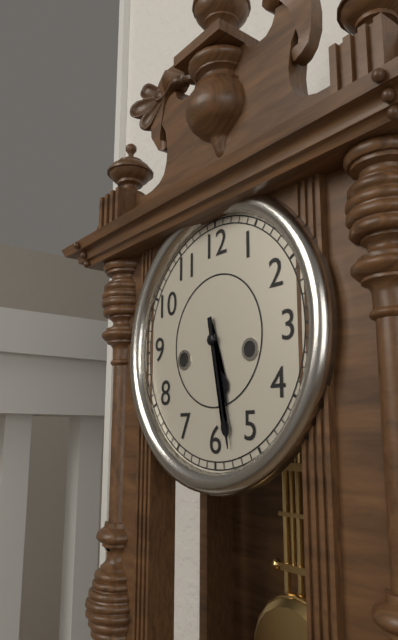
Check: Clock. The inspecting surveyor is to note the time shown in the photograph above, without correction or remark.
5:28
